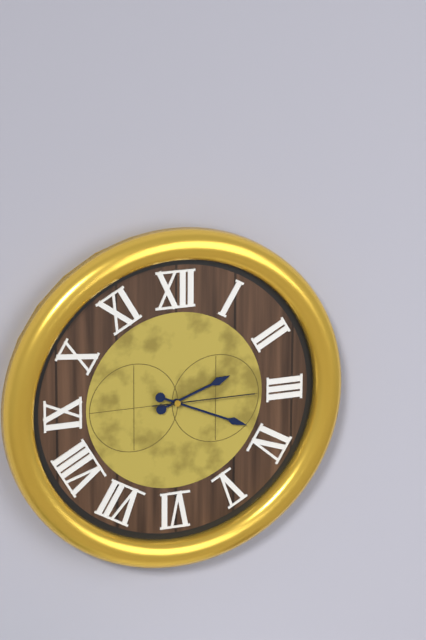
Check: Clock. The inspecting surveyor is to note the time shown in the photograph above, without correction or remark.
2:19:15
